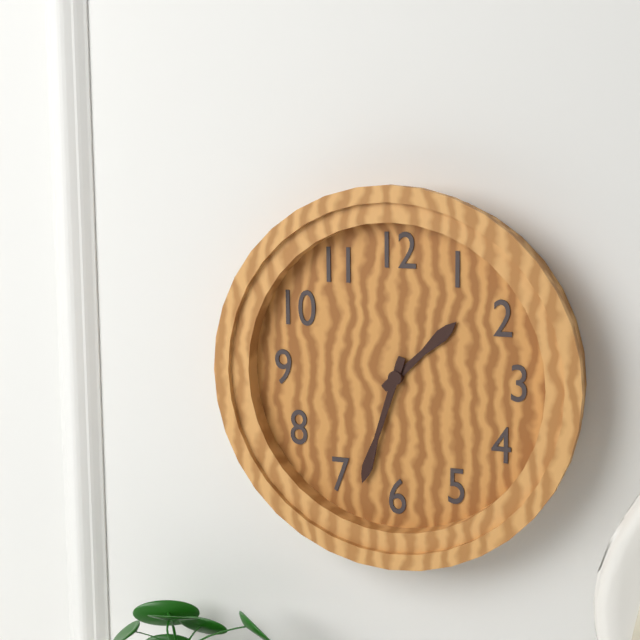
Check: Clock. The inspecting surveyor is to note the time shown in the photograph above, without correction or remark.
1:33
